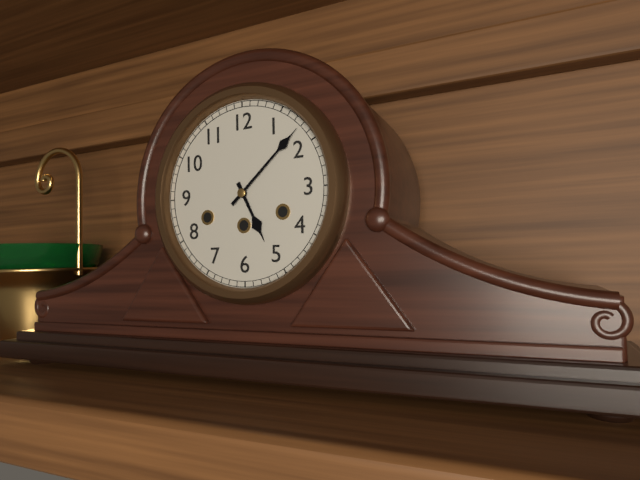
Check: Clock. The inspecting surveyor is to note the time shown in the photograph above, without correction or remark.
5:08
